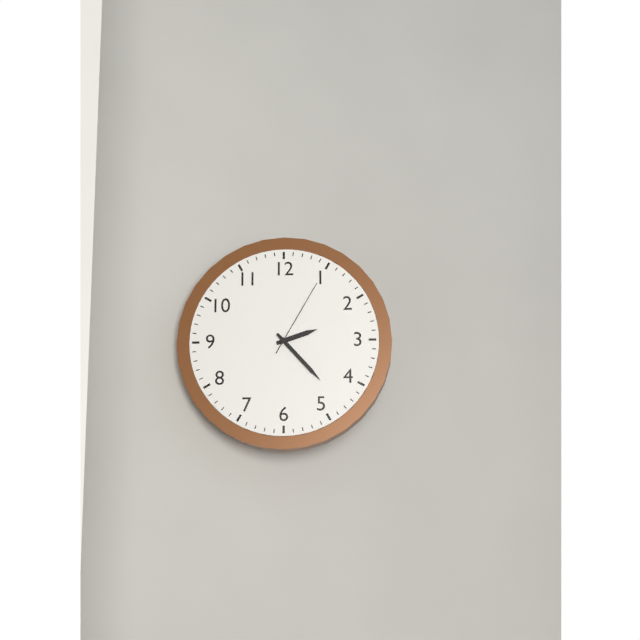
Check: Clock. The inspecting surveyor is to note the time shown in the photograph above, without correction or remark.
2:23:05
